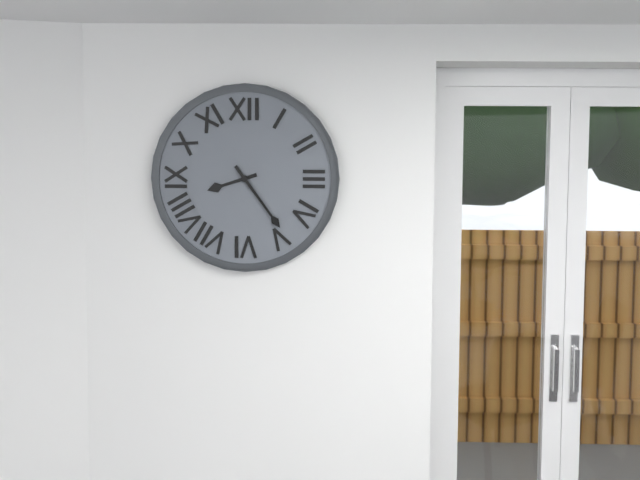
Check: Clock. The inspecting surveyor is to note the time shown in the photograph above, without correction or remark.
8:24
